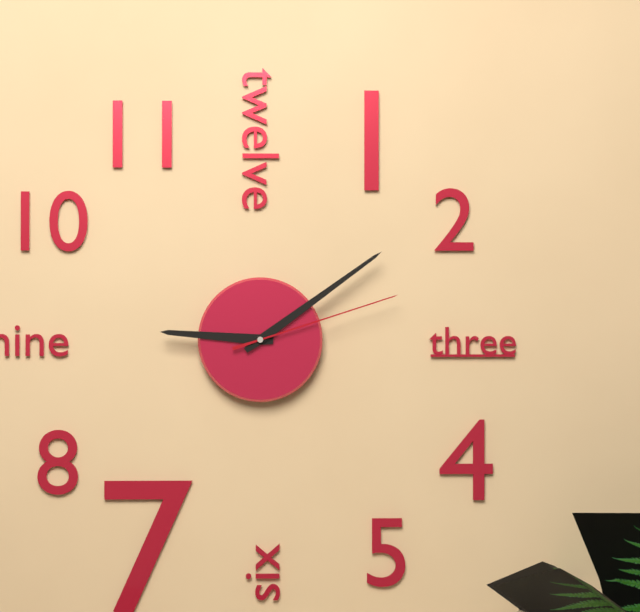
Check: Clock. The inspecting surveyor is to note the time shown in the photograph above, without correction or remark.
9:09:12
